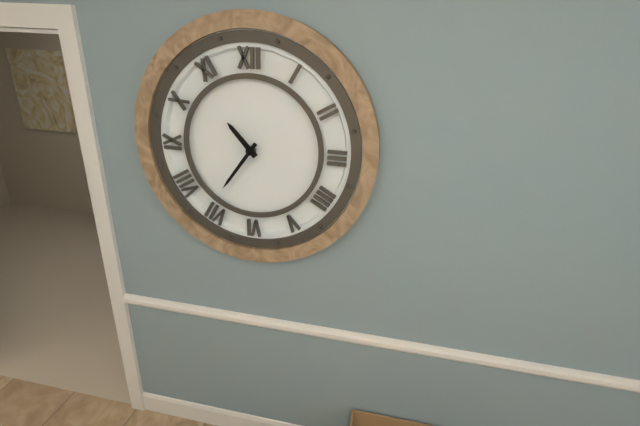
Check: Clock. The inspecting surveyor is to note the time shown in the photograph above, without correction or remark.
10:36
